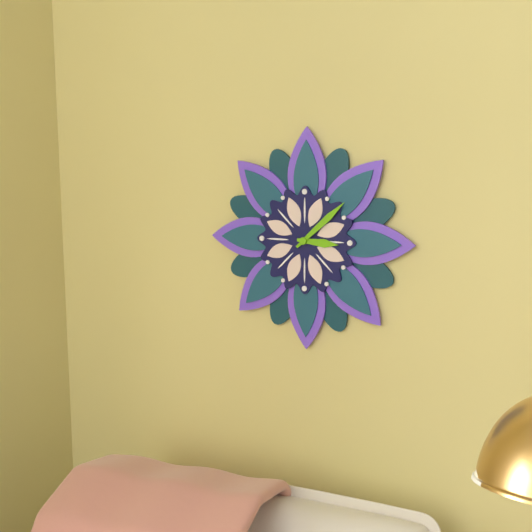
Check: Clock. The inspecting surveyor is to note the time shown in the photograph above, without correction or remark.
3:08
